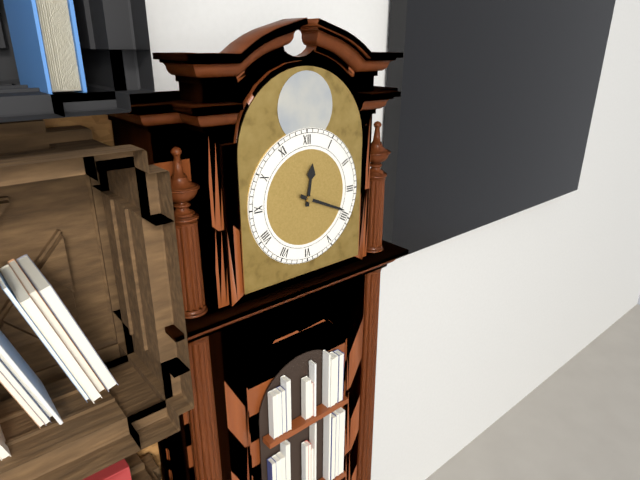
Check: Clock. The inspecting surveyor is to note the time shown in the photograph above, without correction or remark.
12:19
